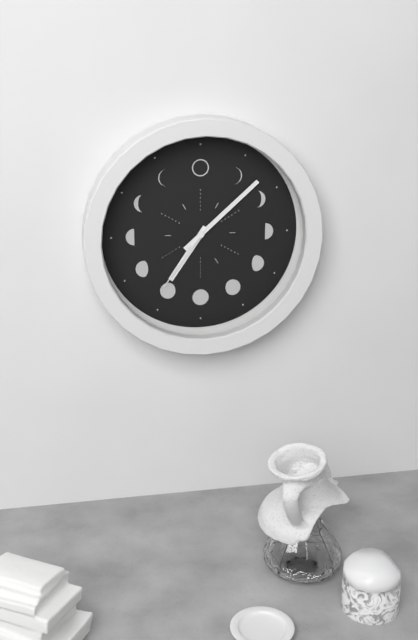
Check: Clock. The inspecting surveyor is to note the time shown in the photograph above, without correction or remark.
7:08:36
